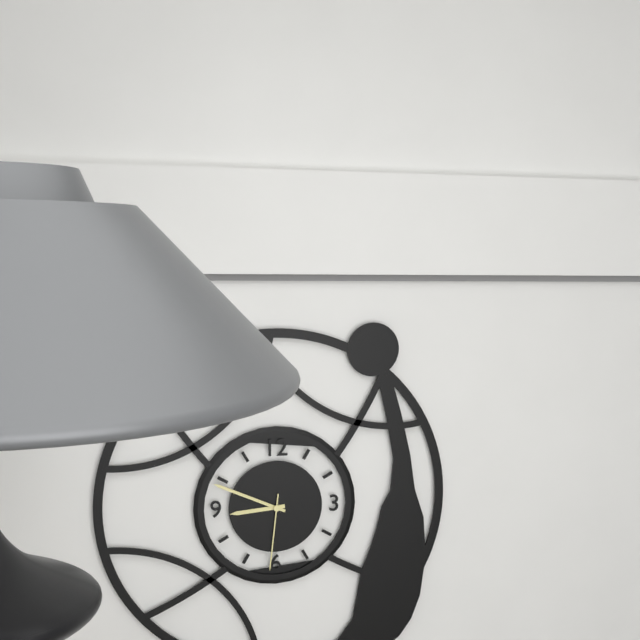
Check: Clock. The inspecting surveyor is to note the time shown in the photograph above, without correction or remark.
8:49:31
